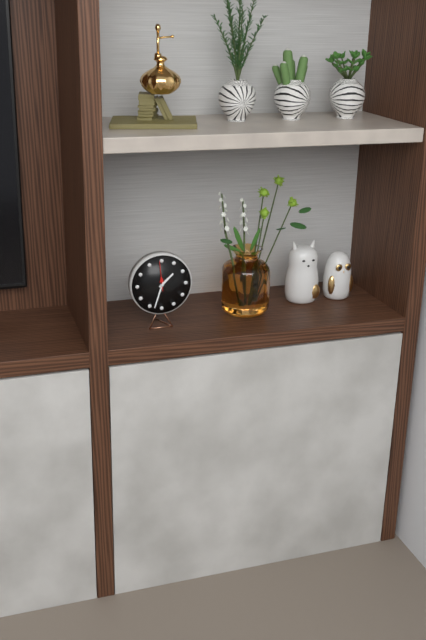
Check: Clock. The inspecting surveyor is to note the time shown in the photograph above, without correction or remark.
1:33
